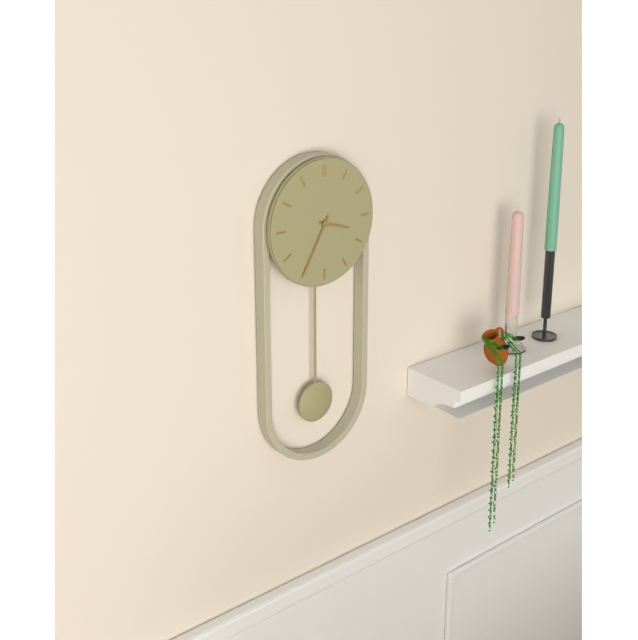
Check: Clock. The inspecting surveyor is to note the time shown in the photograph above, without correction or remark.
3:35
